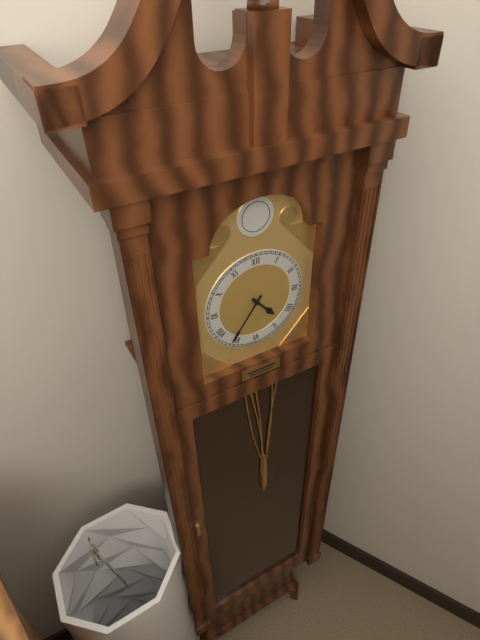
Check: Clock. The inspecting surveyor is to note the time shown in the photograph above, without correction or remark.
4:36
